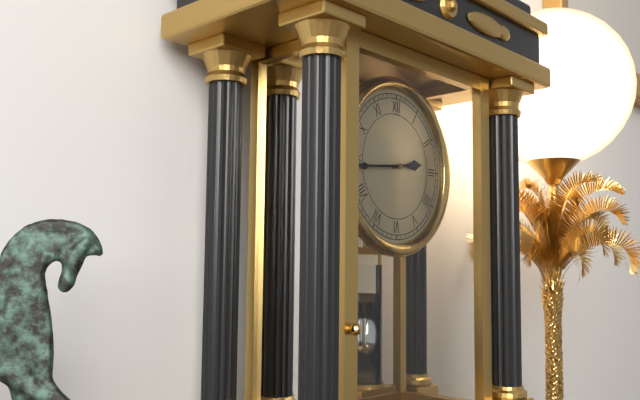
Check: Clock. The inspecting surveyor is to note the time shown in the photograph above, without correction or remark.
2:44
